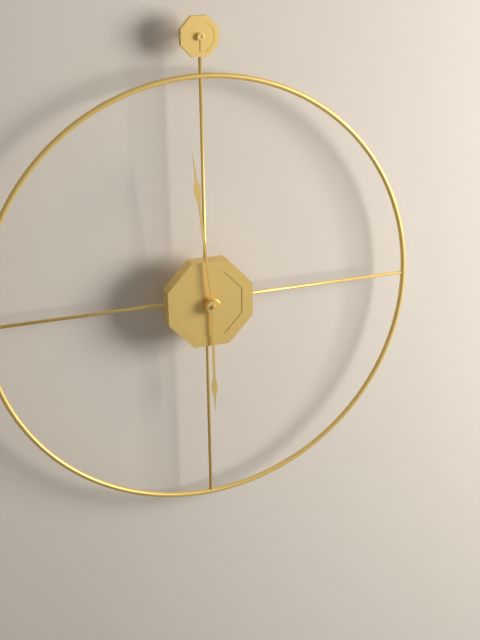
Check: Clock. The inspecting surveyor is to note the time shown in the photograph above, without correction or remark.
5:59
